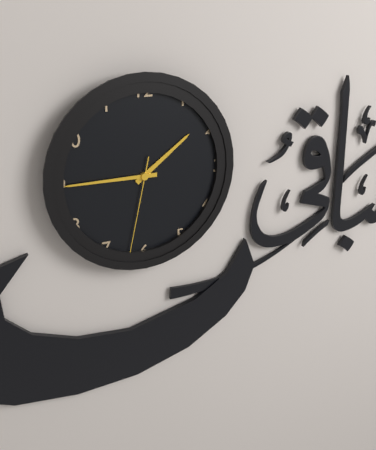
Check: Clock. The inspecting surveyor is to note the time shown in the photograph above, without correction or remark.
1:45:32
